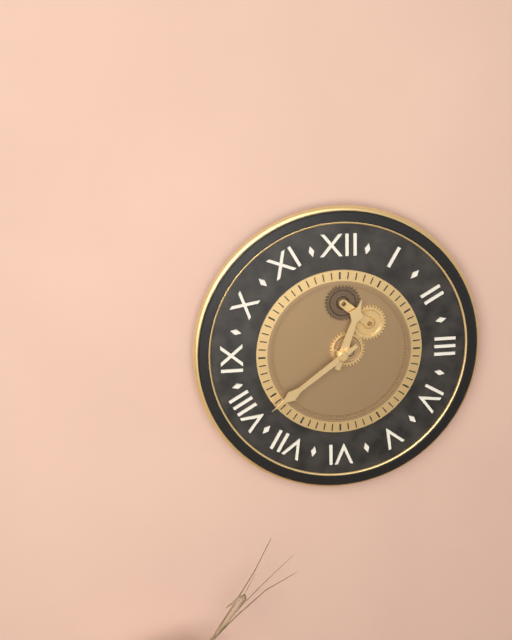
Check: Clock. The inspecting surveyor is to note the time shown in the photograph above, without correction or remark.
12:39
